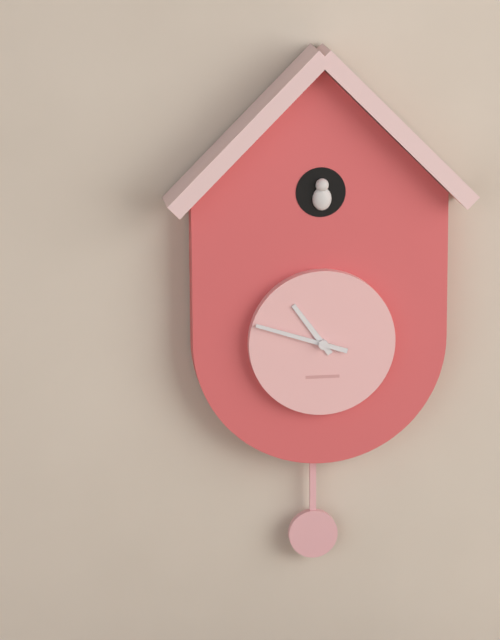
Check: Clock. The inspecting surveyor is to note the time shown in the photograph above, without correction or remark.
10:48
